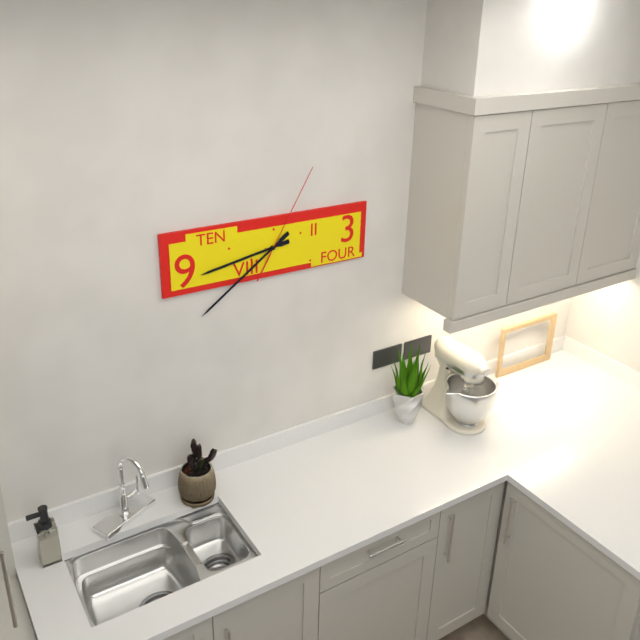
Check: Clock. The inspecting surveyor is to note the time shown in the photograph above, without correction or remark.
8:39:05
